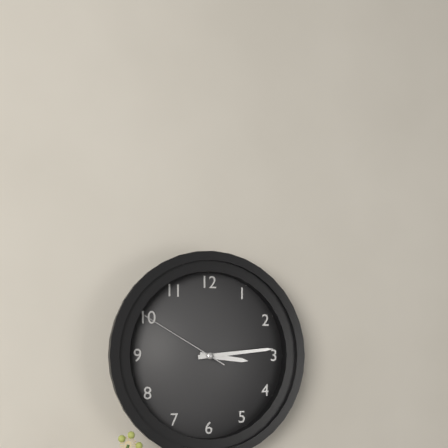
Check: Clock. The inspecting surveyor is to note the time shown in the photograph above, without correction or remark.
3:14:50
